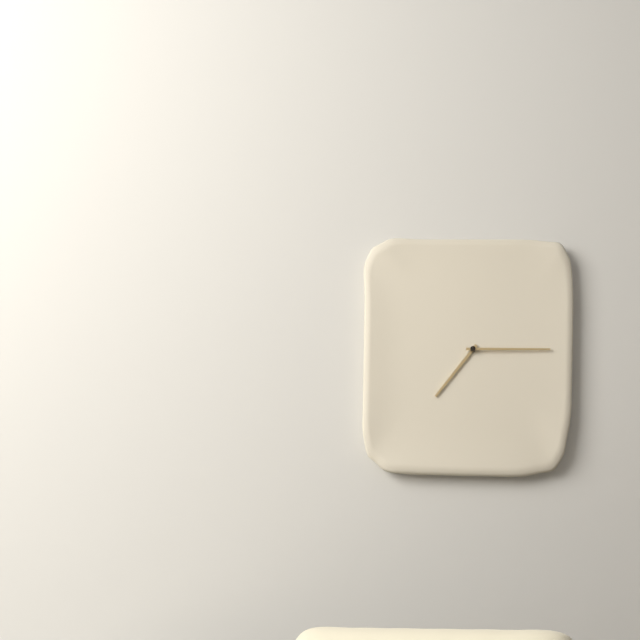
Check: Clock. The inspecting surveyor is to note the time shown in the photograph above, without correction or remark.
7:15
